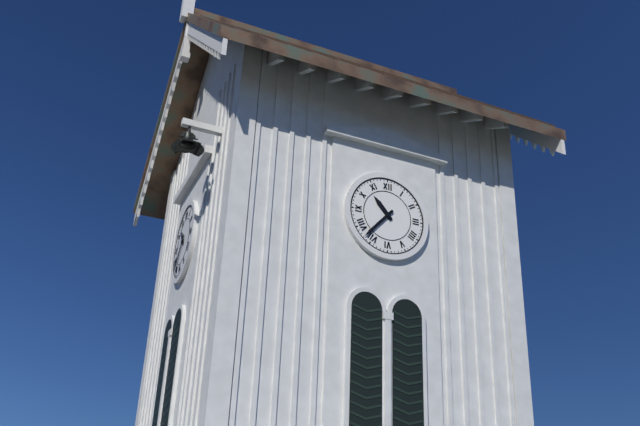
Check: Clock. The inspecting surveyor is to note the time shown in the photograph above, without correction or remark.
10:37
